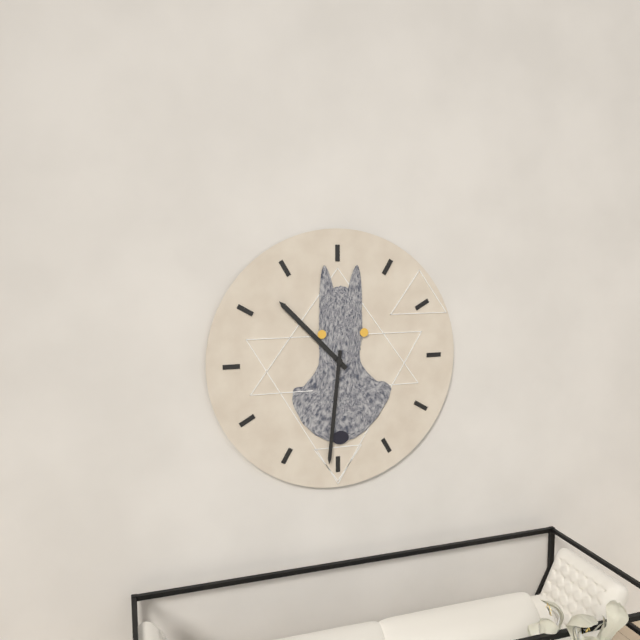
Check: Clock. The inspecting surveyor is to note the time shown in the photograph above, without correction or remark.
10:31
